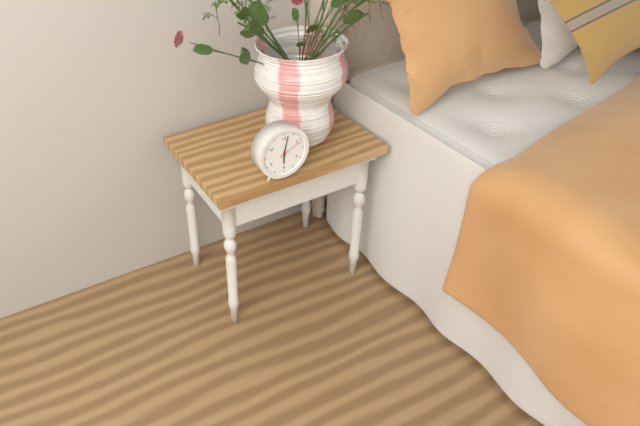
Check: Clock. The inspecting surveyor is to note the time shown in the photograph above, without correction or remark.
6:02
